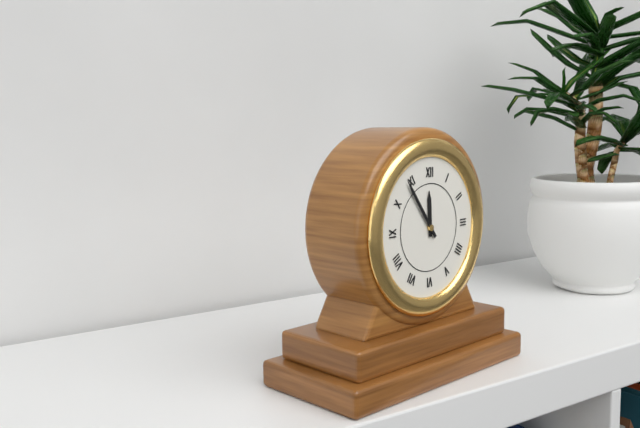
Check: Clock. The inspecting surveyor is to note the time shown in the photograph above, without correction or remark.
11:54
